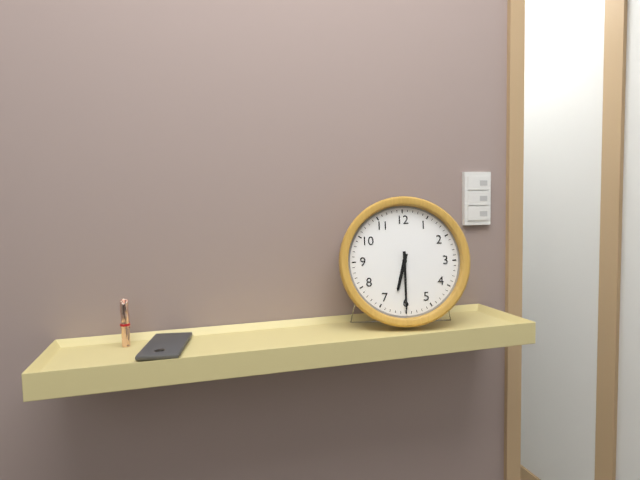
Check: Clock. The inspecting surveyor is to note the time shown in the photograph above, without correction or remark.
6:30
